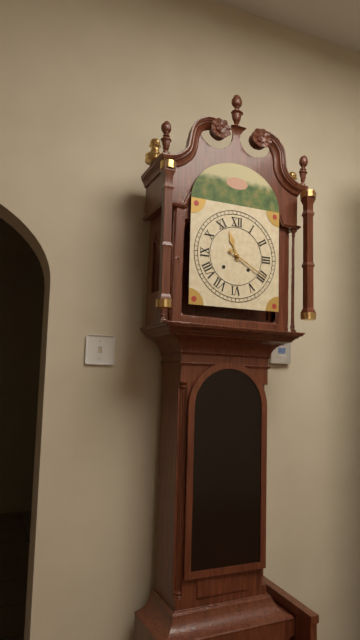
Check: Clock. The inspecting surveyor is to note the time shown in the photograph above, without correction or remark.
11:20
